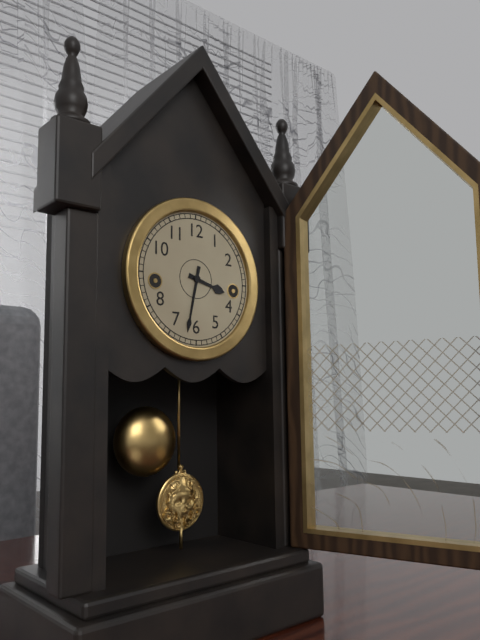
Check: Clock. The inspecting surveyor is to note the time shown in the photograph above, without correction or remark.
3:32
